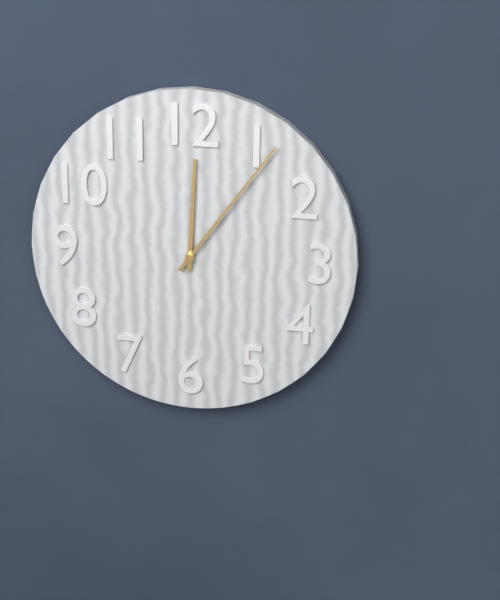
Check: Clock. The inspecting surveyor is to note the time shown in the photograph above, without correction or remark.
12:06
